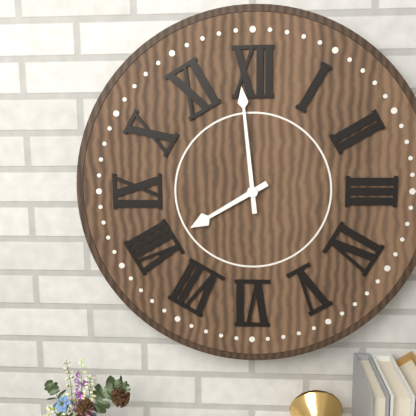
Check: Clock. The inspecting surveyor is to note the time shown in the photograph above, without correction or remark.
7:59
